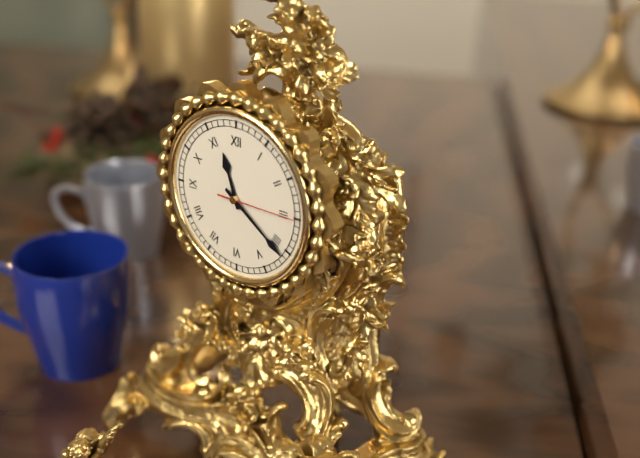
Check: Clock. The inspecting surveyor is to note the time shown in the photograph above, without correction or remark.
11:21:15
